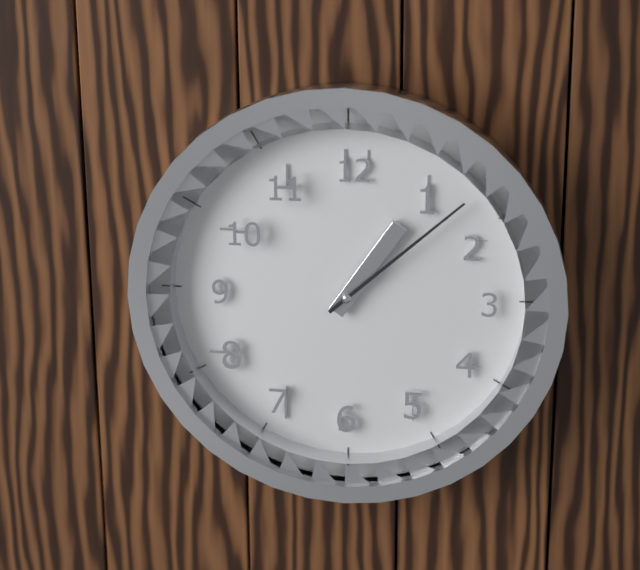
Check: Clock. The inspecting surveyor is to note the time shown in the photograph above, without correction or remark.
1:08
